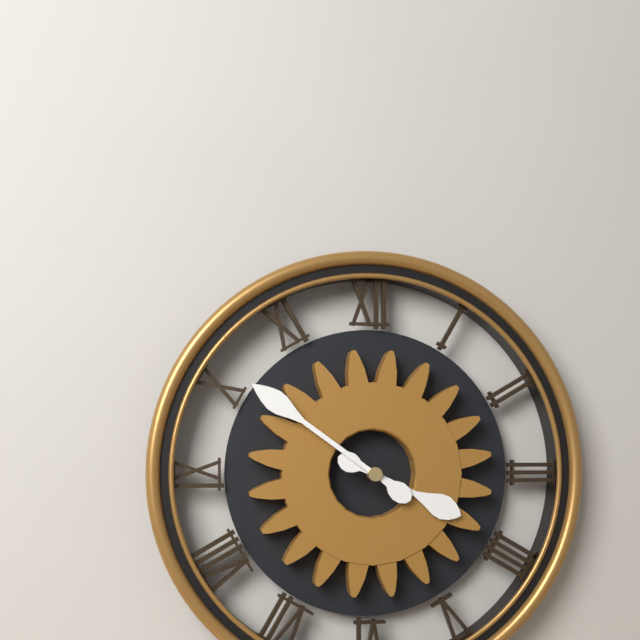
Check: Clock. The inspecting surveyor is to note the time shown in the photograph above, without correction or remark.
3:51
